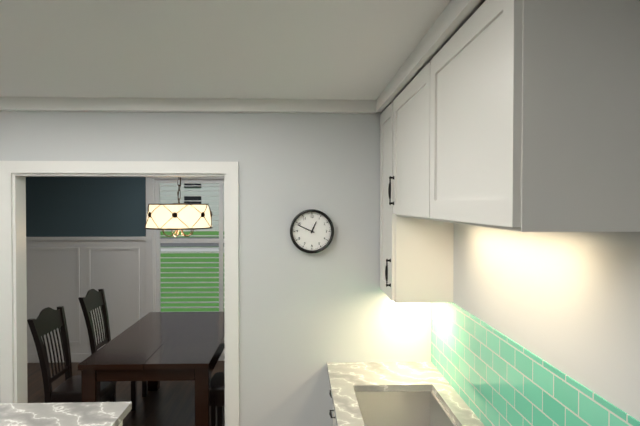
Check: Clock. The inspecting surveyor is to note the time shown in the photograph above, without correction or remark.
12:49
